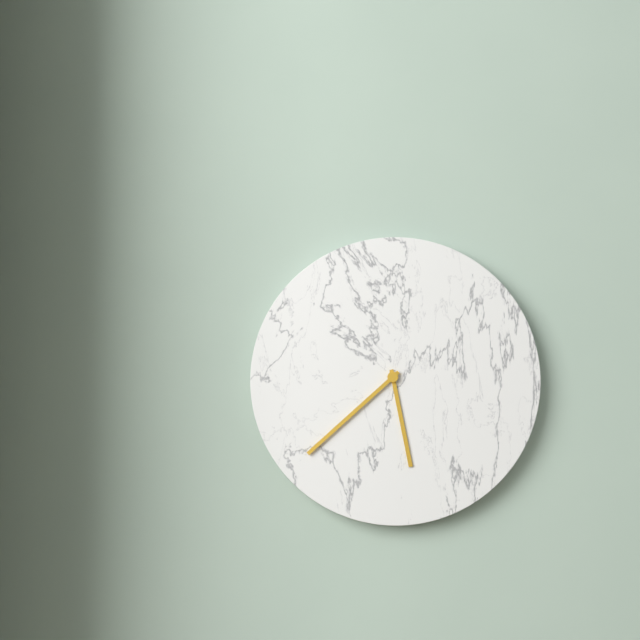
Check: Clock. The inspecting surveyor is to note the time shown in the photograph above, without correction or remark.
5:38
